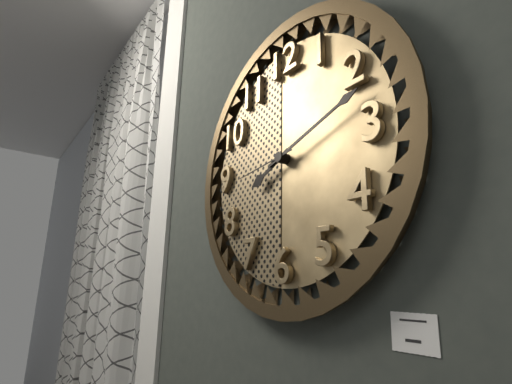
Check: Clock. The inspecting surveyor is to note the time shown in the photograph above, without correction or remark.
8:12:44
